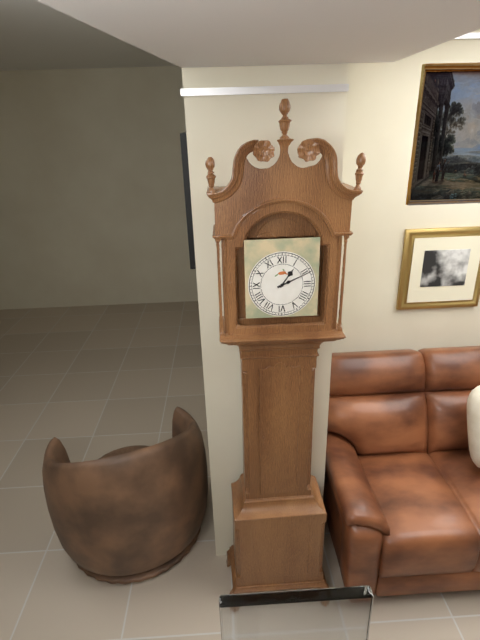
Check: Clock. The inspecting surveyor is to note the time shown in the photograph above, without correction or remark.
1:11
